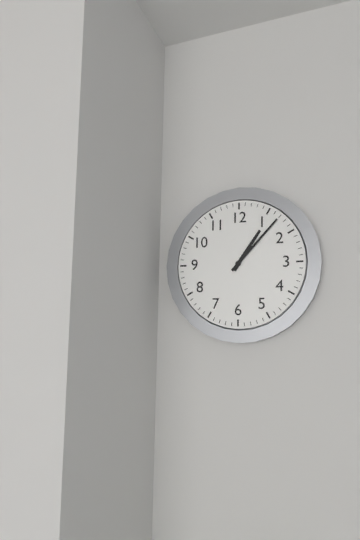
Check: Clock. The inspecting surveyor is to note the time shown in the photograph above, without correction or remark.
1:07
